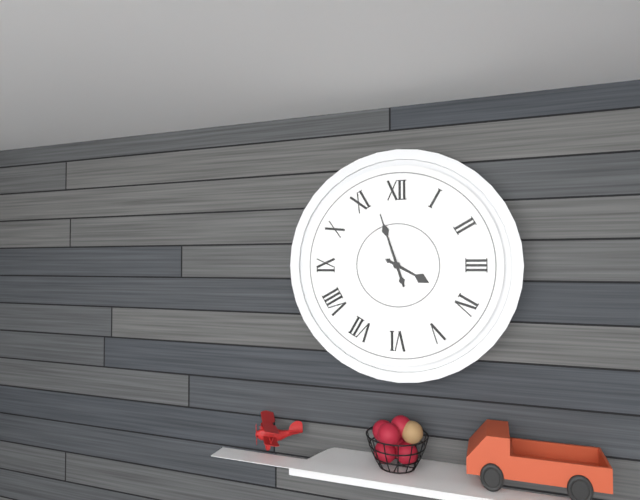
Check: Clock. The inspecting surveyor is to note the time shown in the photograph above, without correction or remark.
3:57
